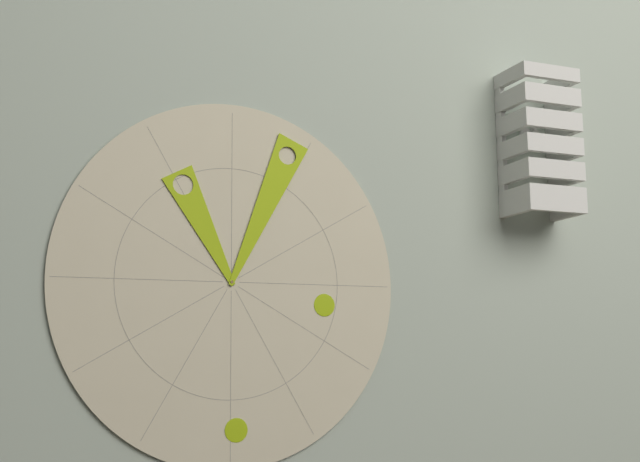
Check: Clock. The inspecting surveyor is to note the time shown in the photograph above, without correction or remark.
11:04
